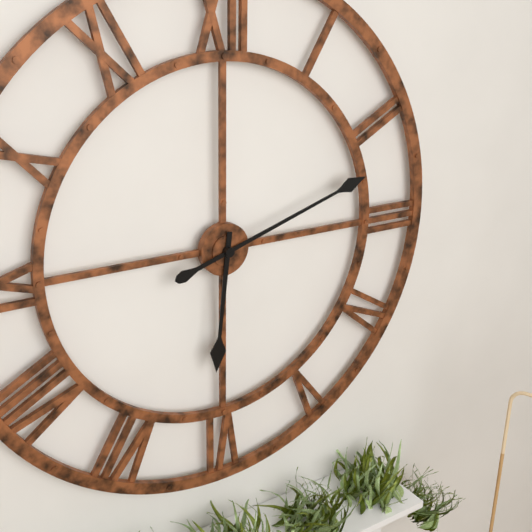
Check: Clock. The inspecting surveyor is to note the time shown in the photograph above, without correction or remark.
6:12
